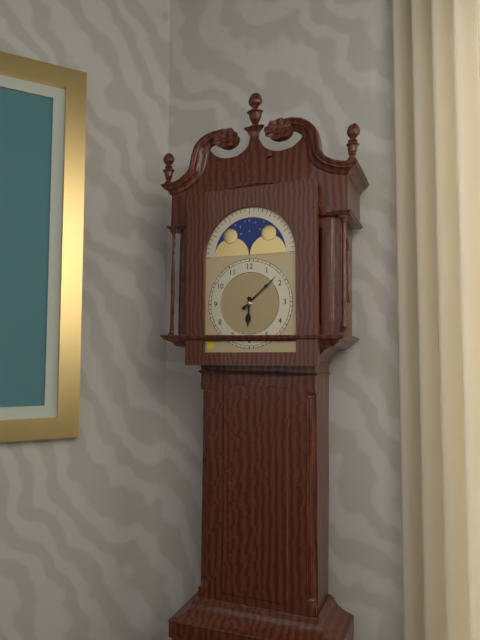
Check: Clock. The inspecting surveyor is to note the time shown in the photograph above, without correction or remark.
6:08
